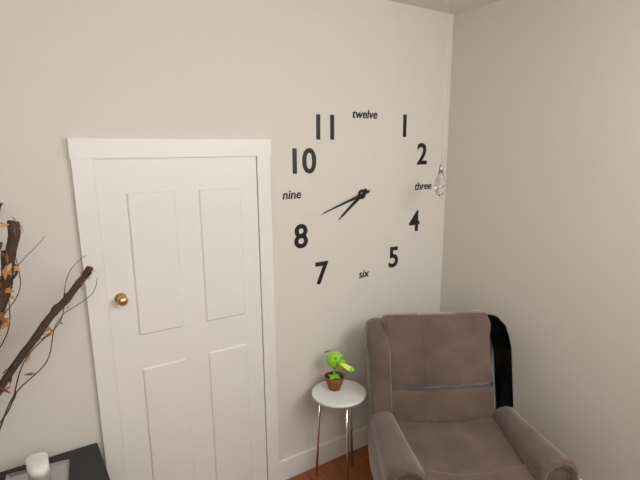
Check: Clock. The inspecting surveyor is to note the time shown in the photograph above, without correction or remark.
7:42
